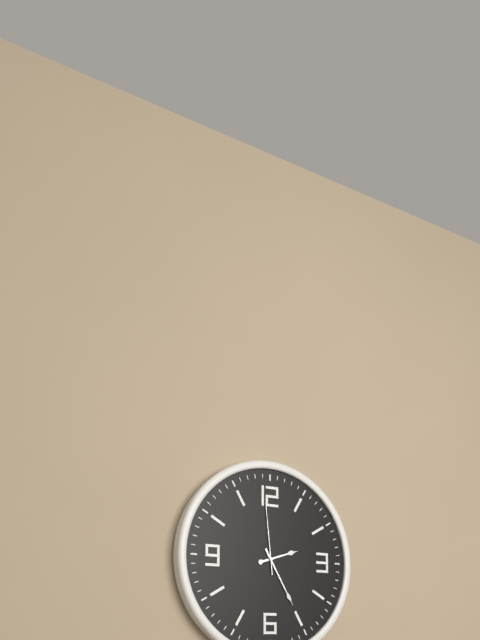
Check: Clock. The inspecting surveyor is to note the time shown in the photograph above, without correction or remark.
2:25:59
